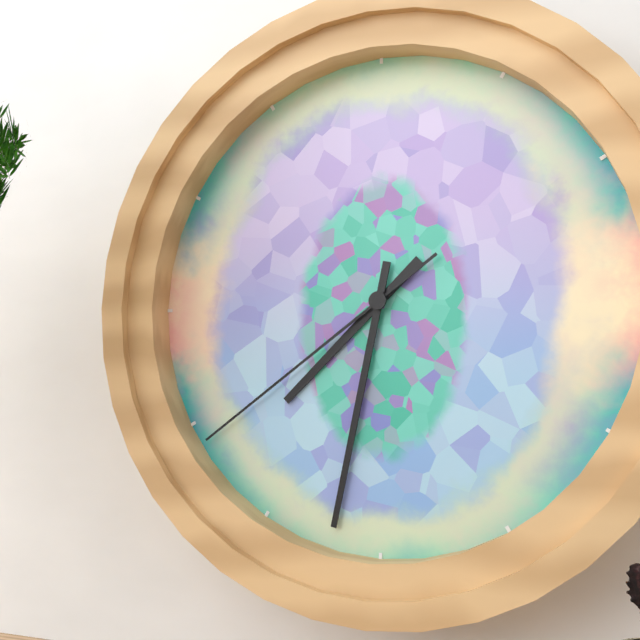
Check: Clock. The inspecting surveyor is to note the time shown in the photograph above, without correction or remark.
7:32:39
